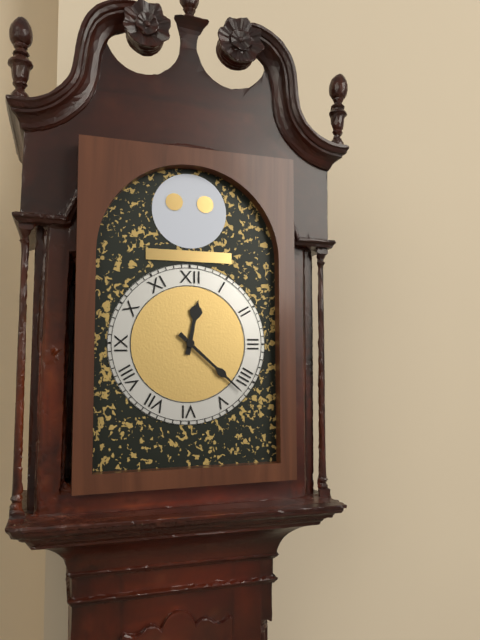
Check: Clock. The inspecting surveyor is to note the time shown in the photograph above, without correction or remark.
12:22
